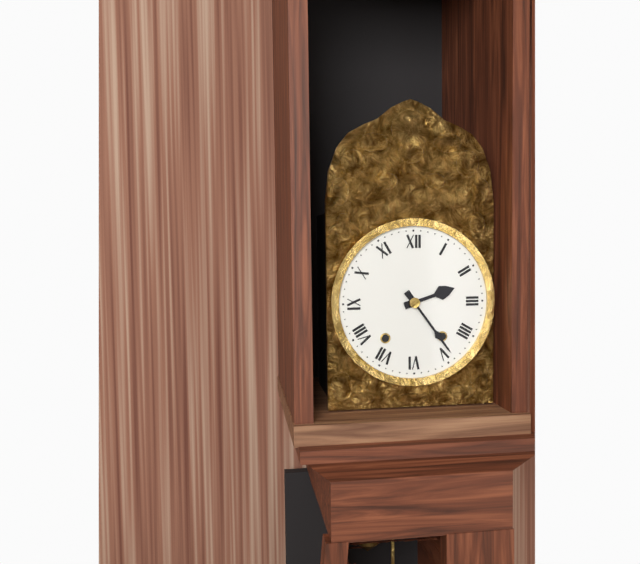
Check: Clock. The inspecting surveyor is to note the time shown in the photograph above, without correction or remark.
2:24
